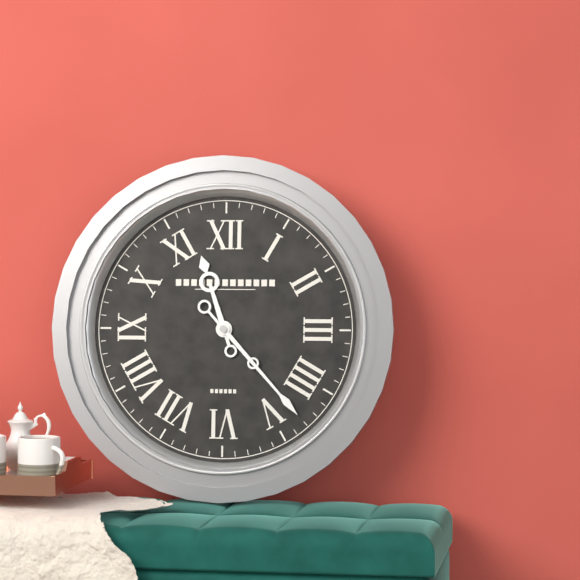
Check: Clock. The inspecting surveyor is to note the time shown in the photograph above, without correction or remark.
11:23
